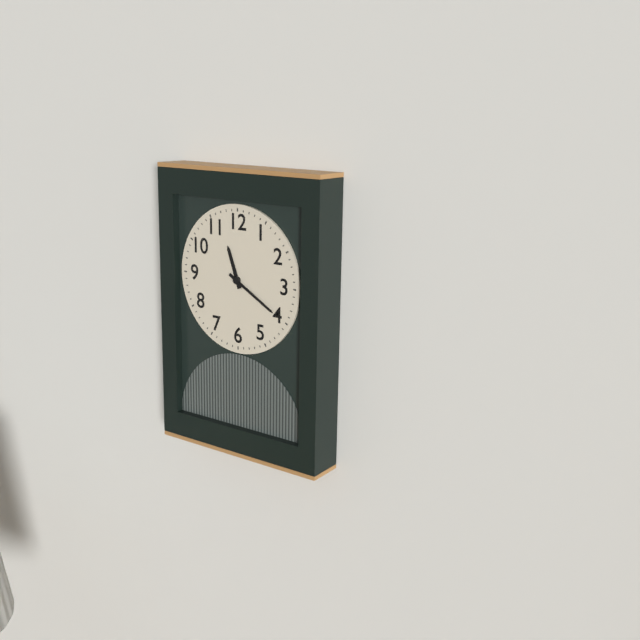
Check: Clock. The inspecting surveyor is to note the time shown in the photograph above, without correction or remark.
11:20
